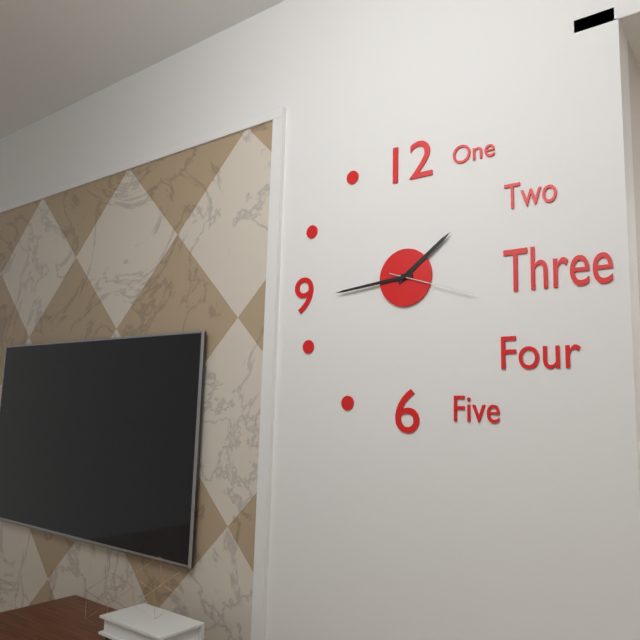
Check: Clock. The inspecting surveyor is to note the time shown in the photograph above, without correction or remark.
1:44:18
